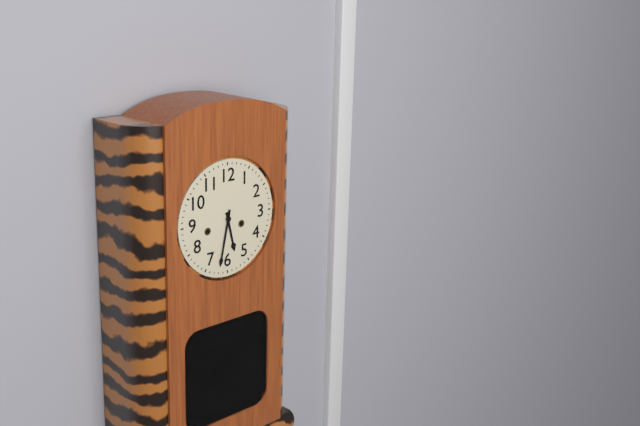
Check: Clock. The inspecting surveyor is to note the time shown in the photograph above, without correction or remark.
5:32
